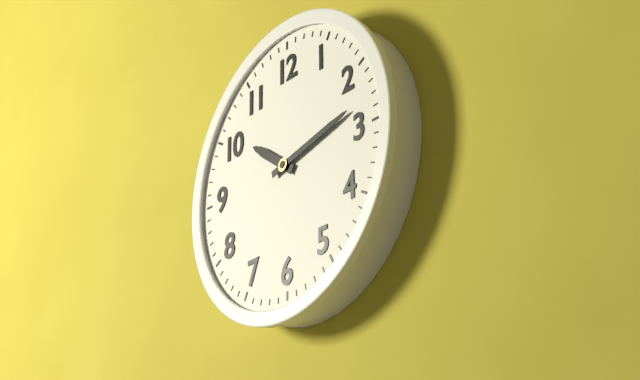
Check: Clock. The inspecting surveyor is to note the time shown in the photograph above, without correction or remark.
10:13
